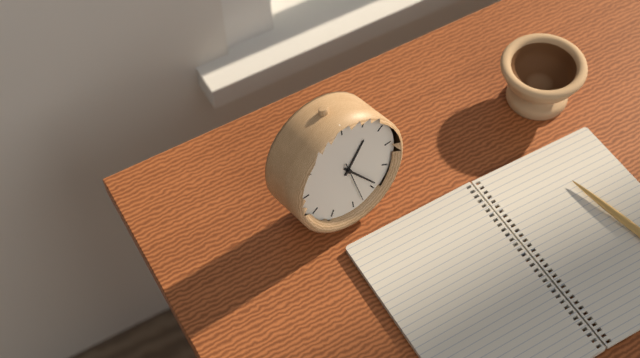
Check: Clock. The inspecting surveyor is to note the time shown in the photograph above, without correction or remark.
1:24
